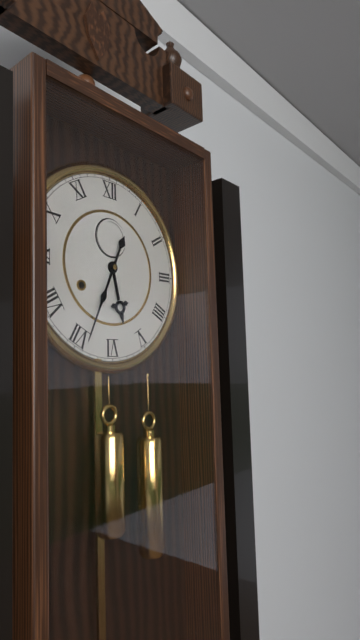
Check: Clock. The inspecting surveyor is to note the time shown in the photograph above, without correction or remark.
5:34
